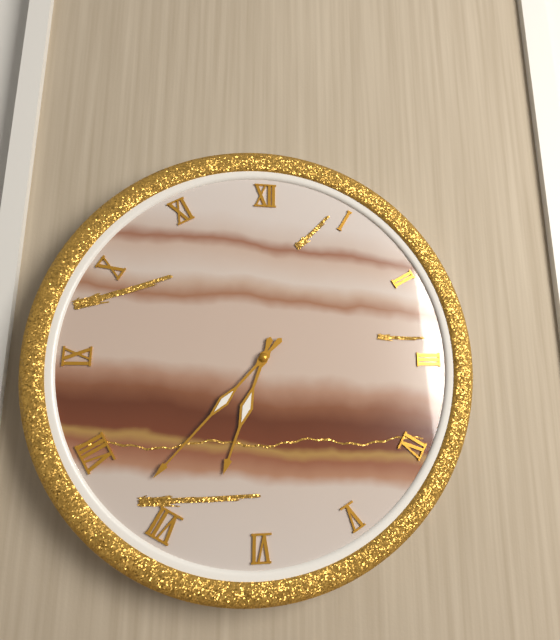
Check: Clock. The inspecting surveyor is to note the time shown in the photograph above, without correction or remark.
6:37
